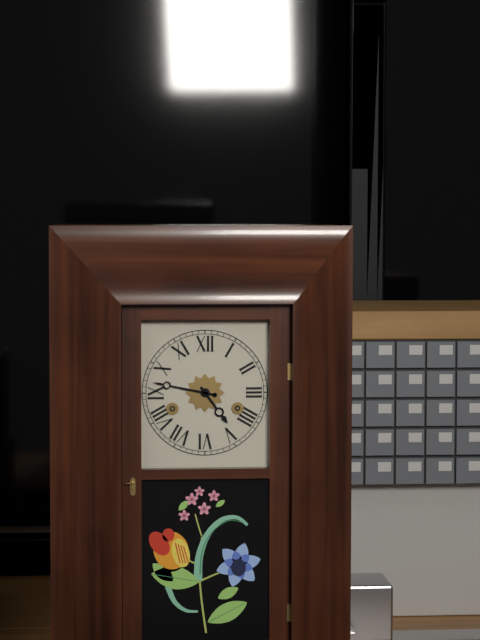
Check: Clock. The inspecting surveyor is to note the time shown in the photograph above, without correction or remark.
4:47
